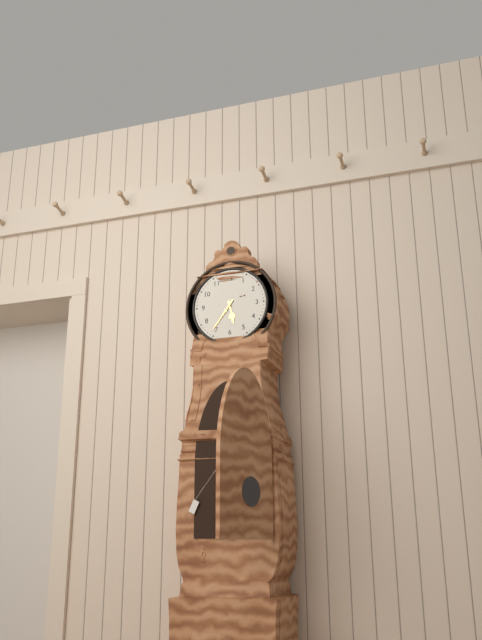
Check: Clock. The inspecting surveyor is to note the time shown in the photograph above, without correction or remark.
5:36
